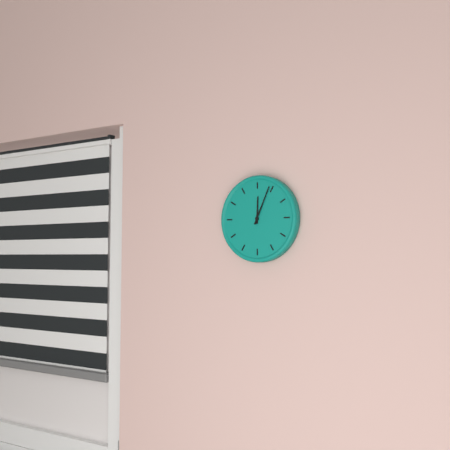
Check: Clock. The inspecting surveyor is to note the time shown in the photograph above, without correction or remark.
12:04
